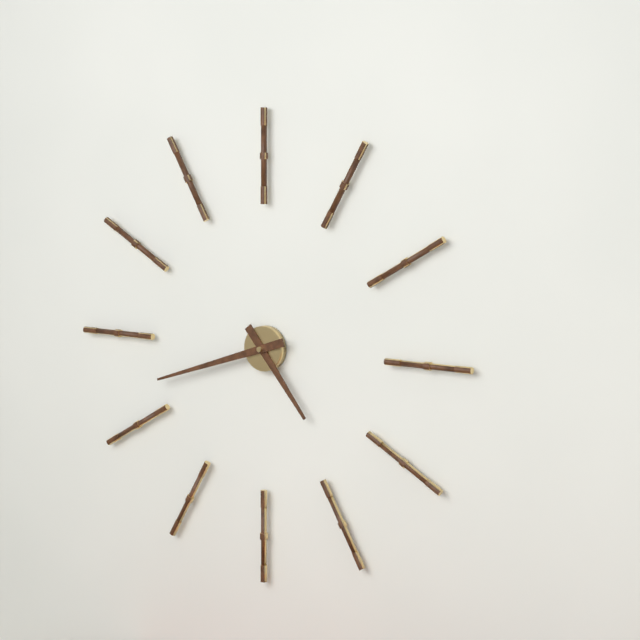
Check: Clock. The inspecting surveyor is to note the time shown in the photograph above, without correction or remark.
4:42
